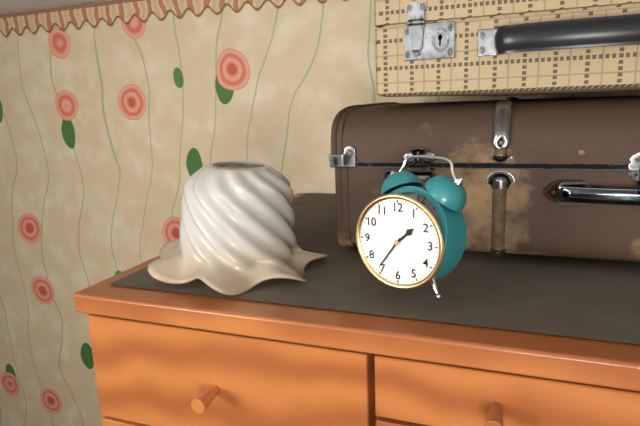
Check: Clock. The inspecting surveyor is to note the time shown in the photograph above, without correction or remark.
1:36
